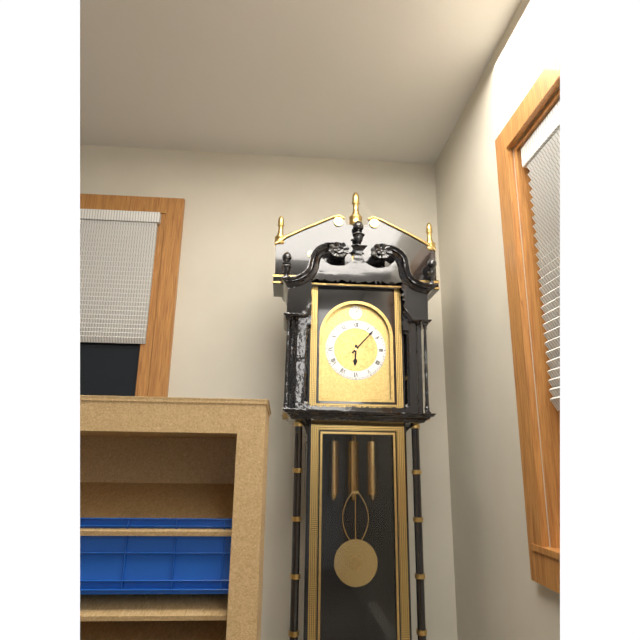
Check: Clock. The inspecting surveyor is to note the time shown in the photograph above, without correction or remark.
6:07
